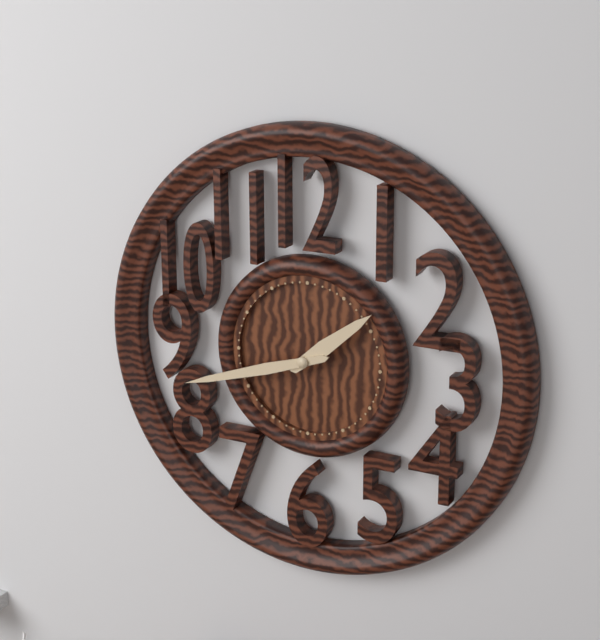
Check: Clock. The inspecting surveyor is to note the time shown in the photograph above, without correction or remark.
1:42
